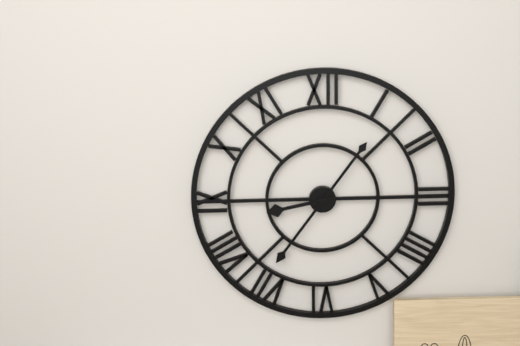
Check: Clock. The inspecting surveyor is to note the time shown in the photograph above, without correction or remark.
8:36
